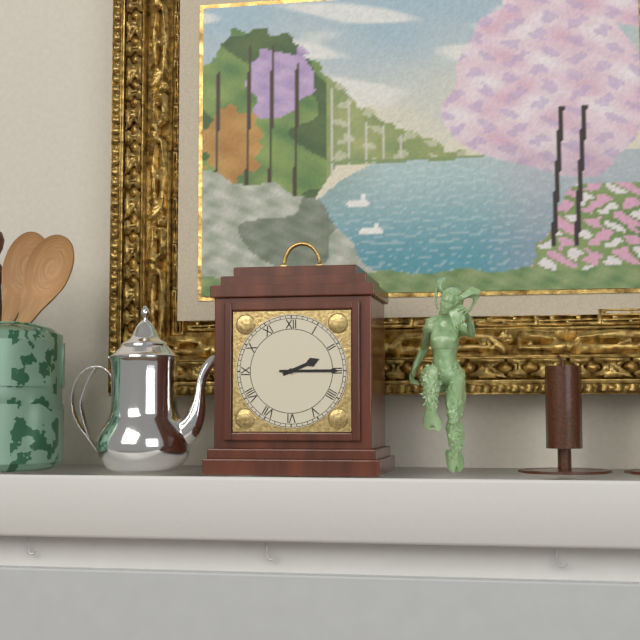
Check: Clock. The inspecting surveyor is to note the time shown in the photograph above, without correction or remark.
2:15
